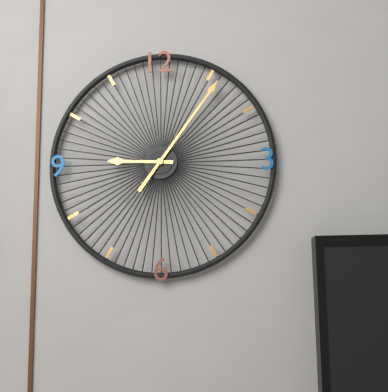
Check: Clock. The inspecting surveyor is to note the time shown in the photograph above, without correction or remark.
9:06
